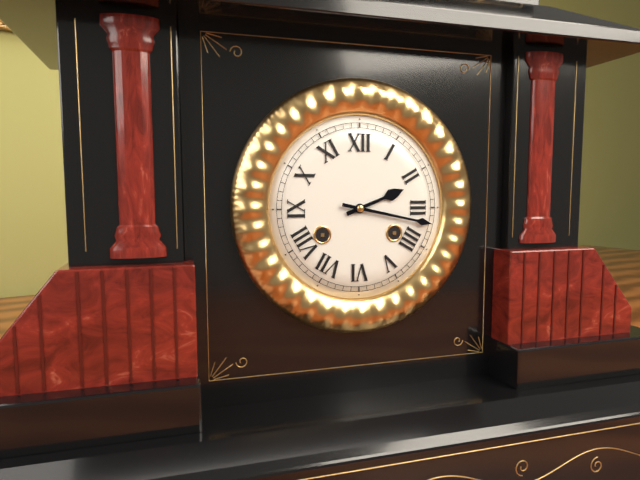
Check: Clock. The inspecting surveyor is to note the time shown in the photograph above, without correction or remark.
2:17
